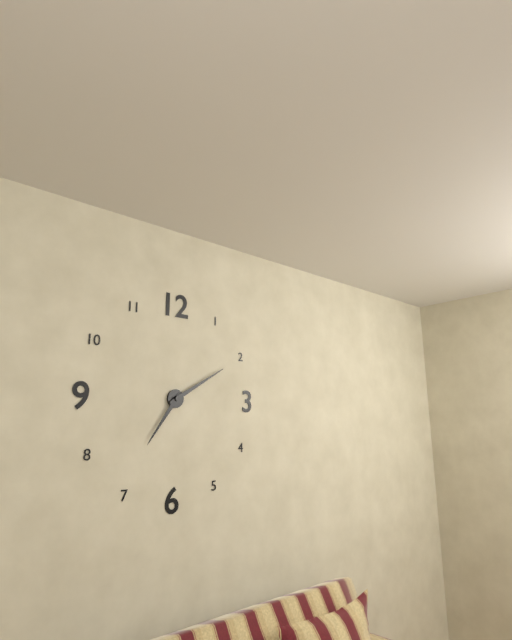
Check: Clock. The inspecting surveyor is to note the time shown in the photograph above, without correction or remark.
7:10
